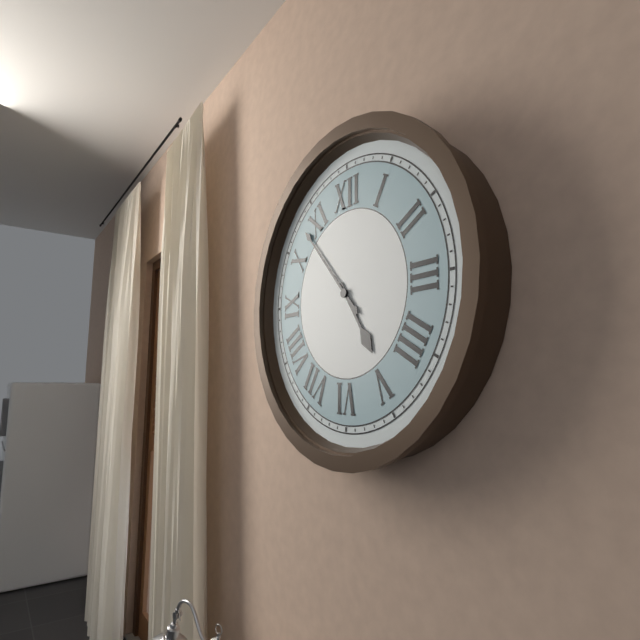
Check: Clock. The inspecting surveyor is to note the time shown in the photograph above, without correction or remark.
4:53
